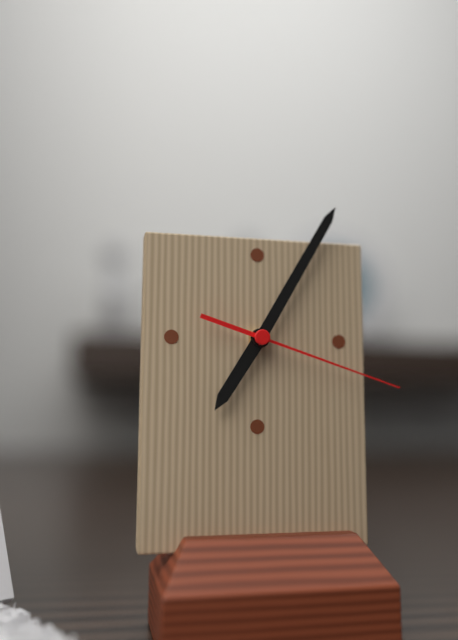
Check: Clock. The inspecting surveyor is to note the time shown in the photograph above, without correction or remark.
7:05:18
